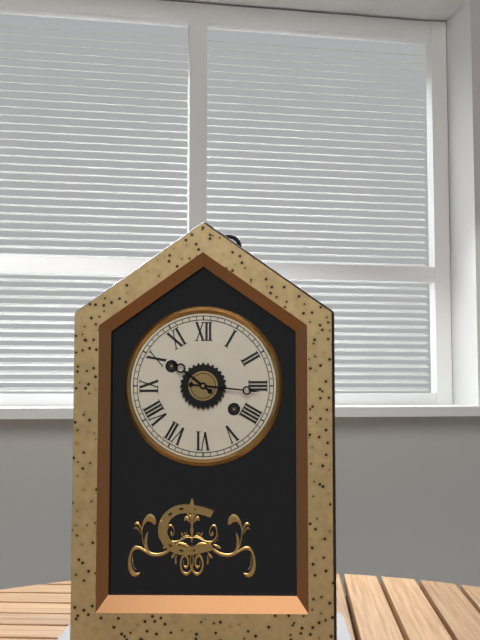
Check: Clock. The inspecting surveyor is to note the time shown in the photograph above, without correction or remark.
10:16
